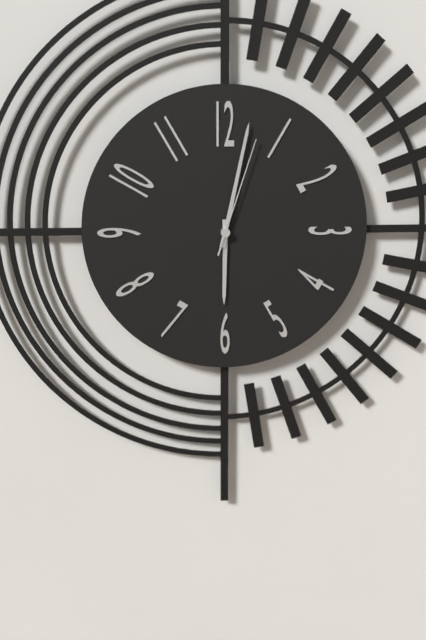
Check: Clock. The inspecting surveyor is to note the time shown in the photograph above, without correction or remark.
6:02:03
